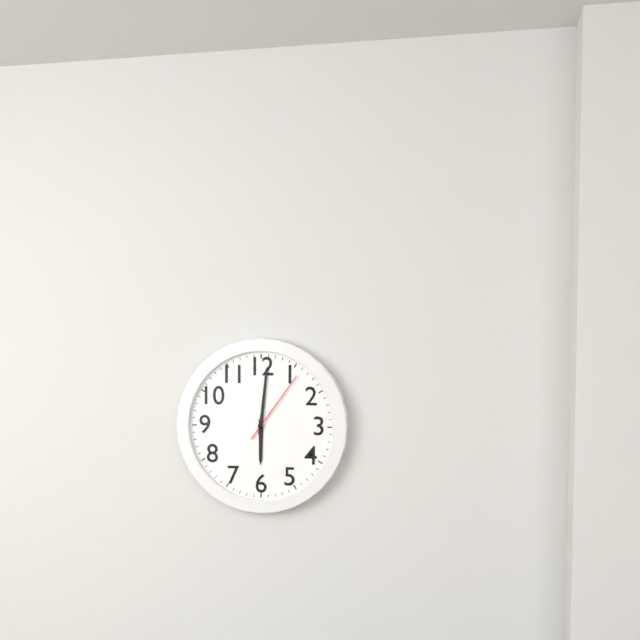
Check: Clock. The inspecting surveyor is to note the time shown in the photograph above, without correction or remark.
6:01:06
